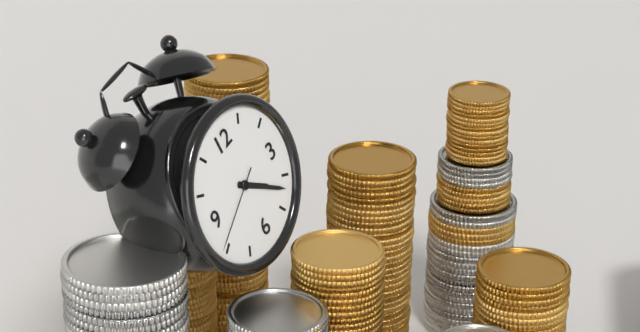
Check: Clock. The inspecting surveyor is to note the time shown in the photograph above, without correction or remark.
4:22:41
